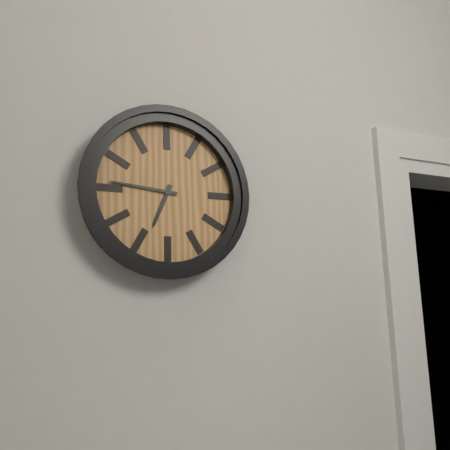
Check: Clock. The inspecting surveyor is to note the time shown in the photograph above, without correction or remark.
6:46
